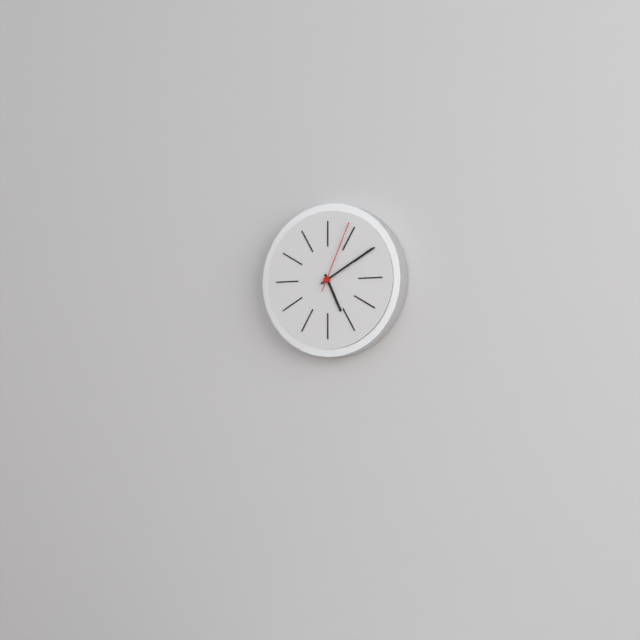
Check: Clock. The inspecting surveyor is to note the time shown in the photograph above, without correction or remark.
5:10:04
